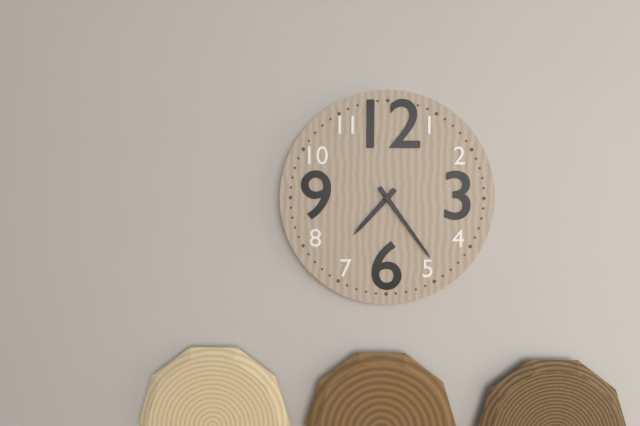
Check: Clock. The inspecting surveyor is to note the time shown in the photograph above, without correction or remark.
7:24
